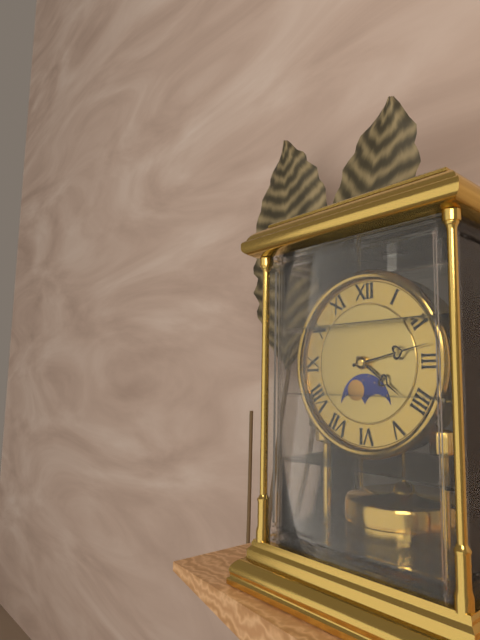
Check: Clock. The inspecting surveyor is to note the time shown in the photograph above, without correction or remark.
4:13
